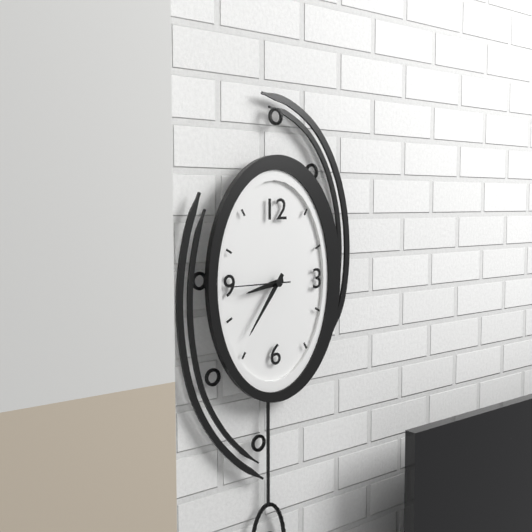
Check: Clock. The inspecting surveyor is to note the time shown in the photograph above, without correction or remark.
8:36:45
